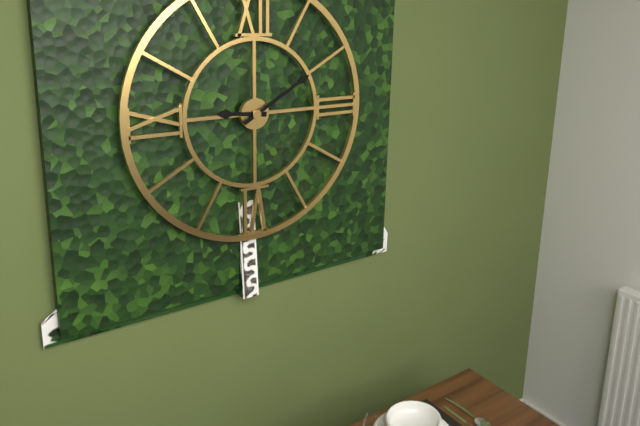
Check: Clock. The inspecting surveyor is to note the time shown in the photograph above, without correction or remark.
9:10
